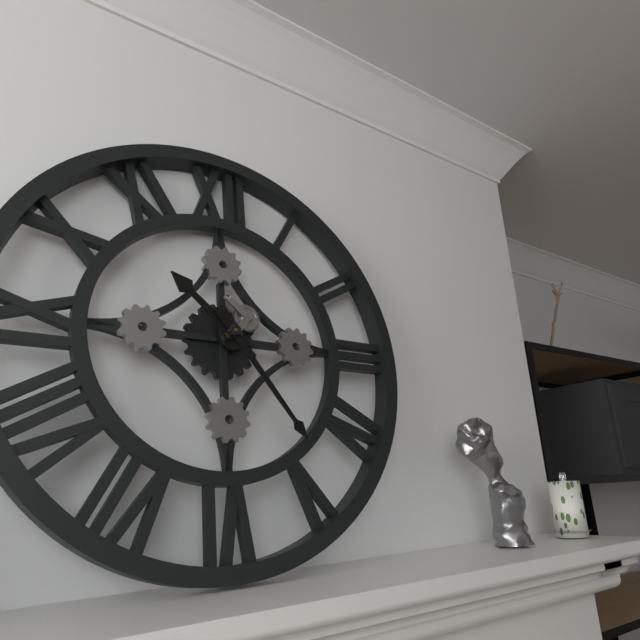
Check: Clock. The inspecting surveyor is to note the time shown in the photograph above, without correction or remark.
10:24
